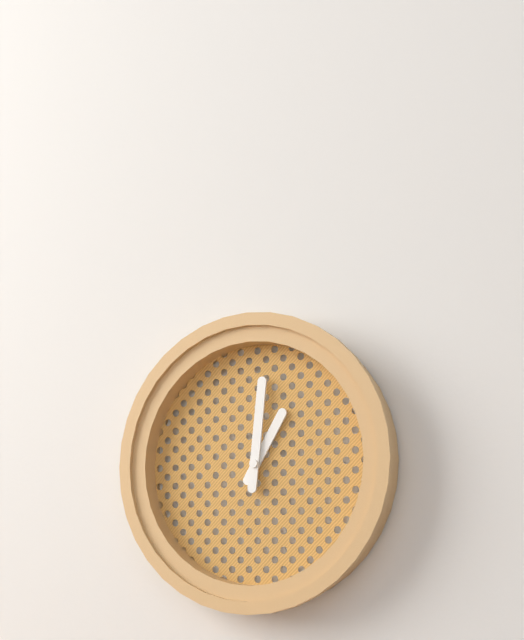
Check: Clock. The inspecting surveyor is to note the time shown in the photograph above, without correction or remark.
1:01
